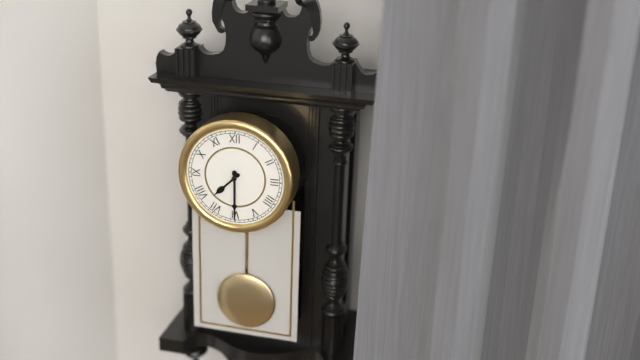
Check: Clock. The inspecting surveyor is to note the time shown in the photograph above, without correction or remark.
7:30
